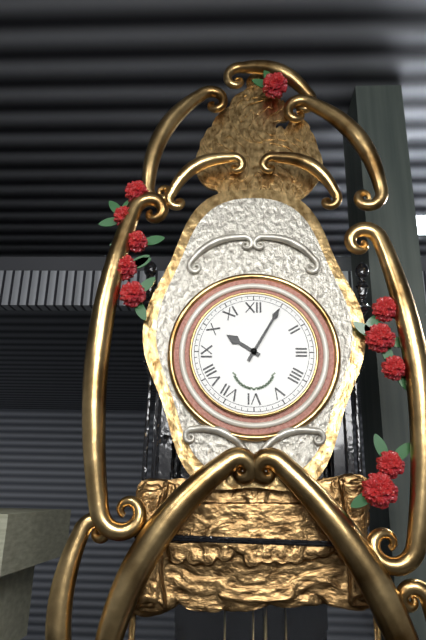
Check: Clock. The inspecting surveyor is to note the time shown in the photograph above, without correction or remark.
10:05
